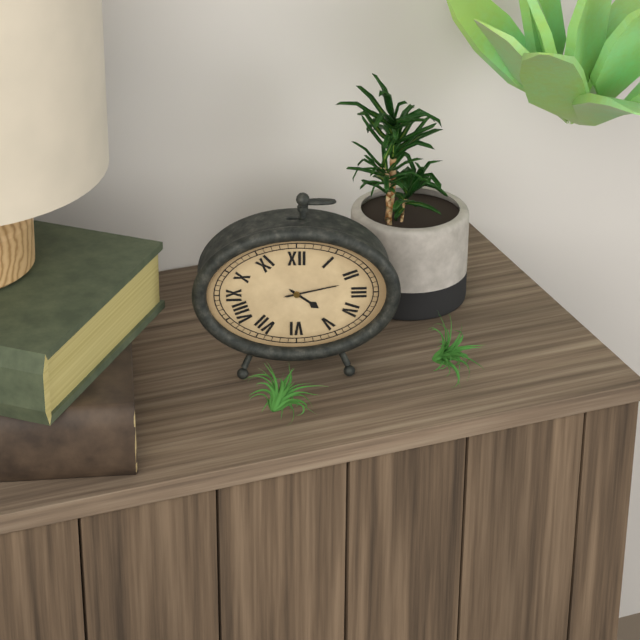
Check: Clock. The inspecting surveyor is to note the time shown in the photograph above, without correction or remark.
4:13
